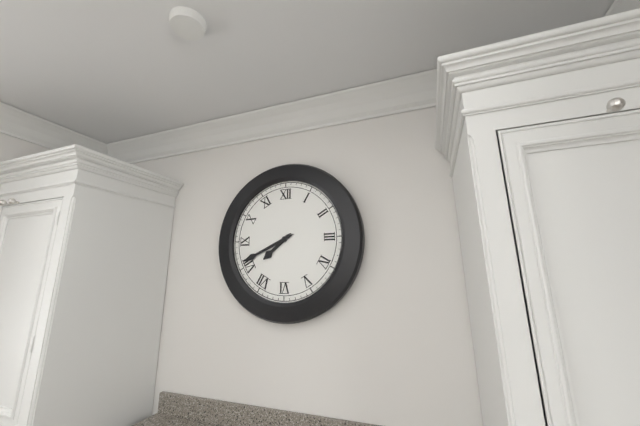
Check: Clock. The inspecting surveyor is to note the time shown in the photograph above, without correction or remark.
7:41
